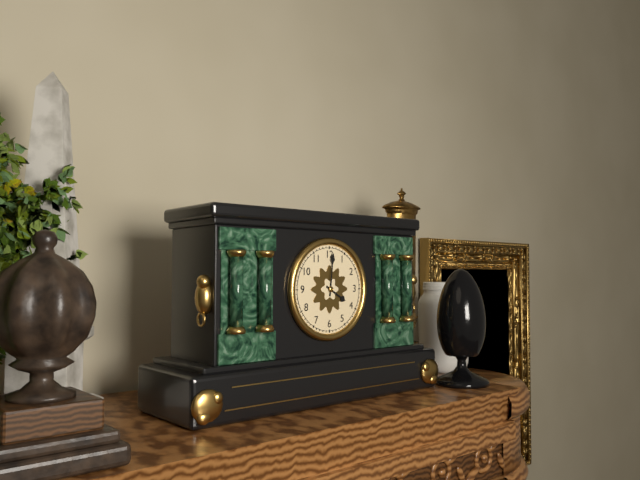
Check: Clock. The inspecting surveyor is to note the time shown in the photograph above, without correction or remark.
4:01
